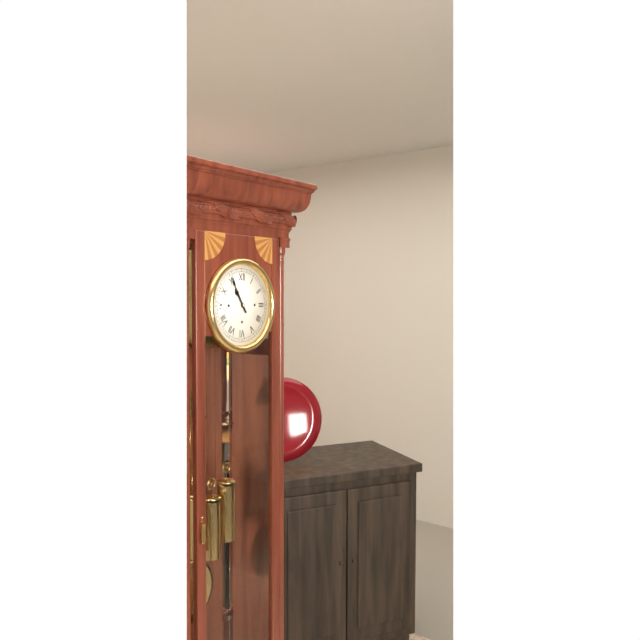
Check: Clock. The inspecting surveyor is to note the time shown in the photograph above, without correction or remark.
10:55
